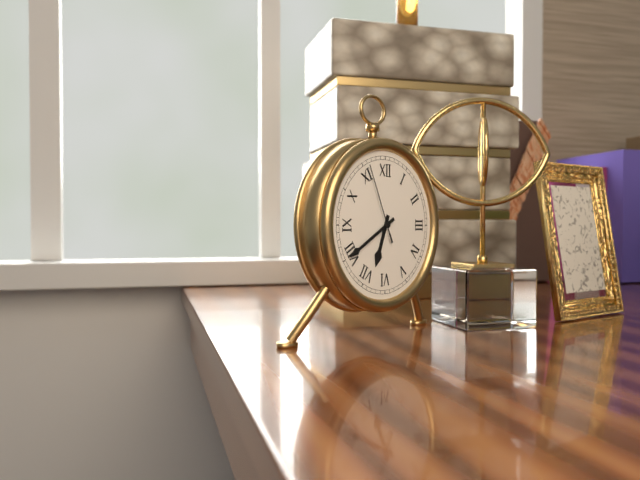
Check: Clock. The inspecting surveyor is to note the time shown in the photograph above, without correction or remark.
6:40:56
